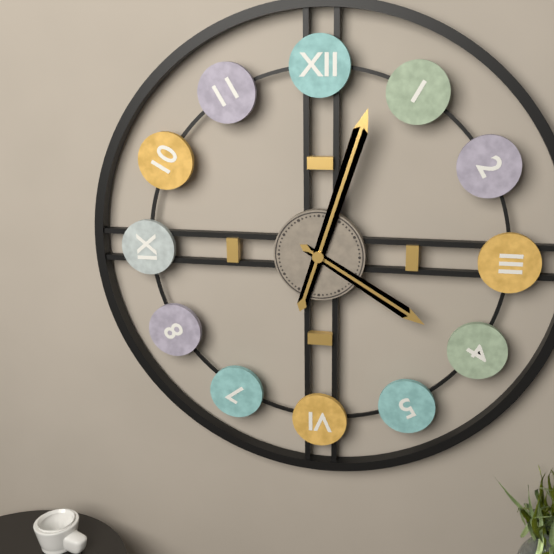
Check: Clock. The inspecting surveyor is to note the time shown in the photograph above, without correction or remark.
4:03
